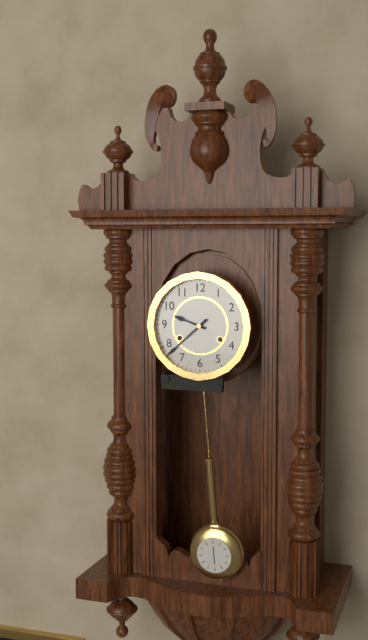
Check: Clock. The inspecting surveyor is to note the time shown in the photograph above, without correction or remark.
9:38
